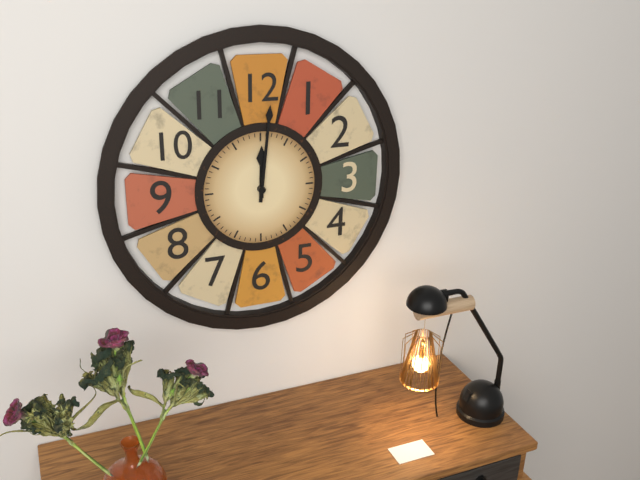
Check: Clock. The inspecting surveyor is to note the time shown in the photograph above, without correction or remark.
12:01
